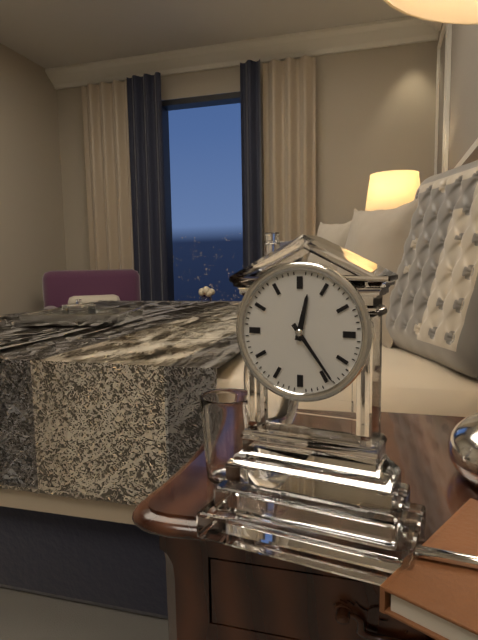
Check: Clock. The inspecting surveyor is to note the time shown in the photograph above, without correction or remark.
12:24
